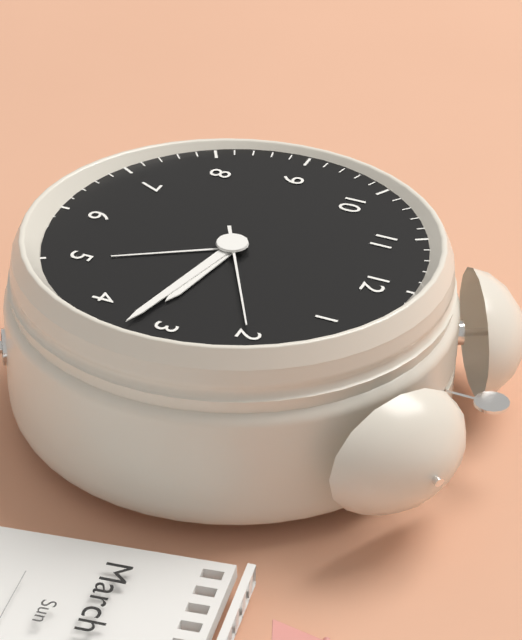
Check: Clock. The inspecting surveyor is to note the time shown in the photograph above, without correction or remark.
3:17:10
